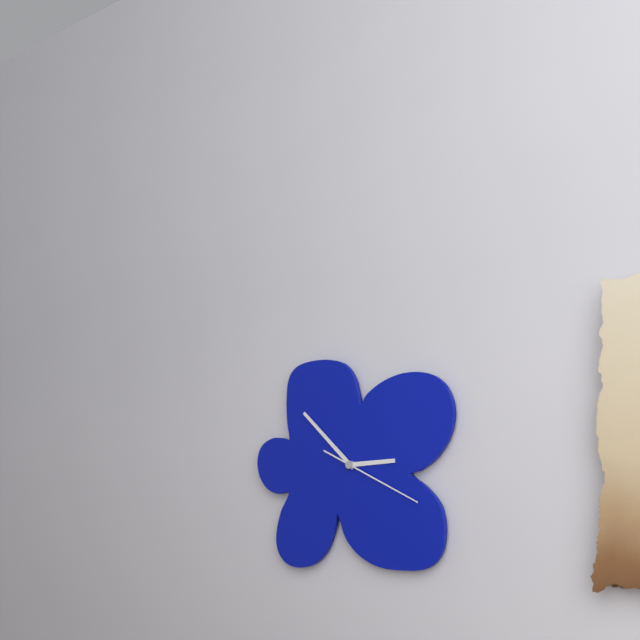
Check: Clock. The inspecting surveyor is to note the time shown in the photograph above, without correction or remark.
2:52:19
